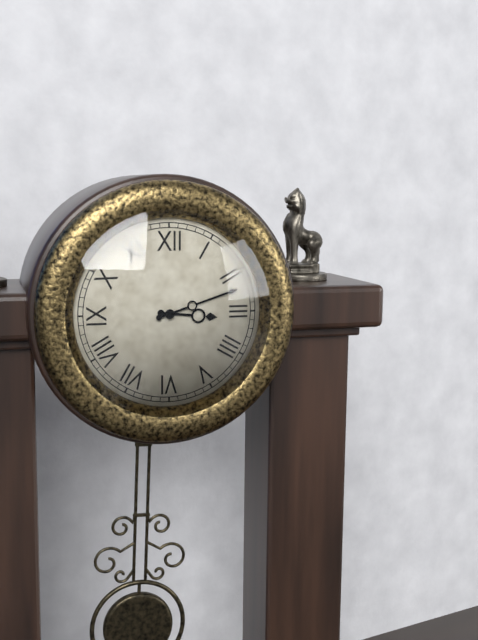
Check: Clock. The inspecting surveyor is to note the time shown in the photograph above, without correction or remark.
3:12
